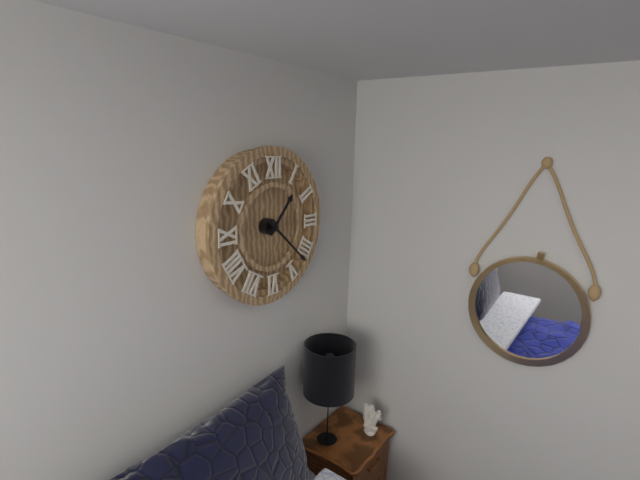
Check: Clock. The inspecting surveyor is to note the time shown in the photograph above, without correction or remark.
1:22
